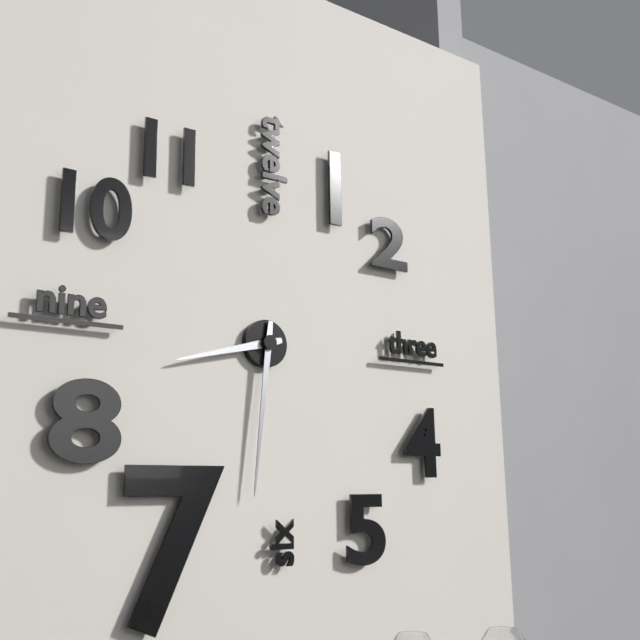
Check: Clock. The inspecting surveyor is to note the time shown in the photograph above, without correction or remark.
8:31
